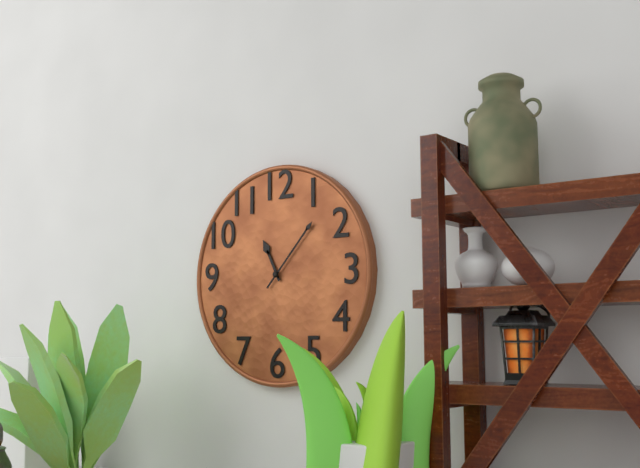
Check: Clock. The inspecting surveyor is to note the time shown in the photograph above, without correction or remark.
11:07
